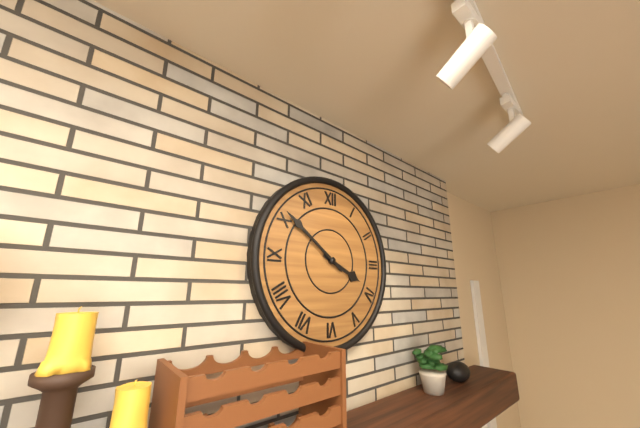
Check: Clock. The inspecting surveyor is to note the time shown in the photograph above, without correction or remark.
3:51
